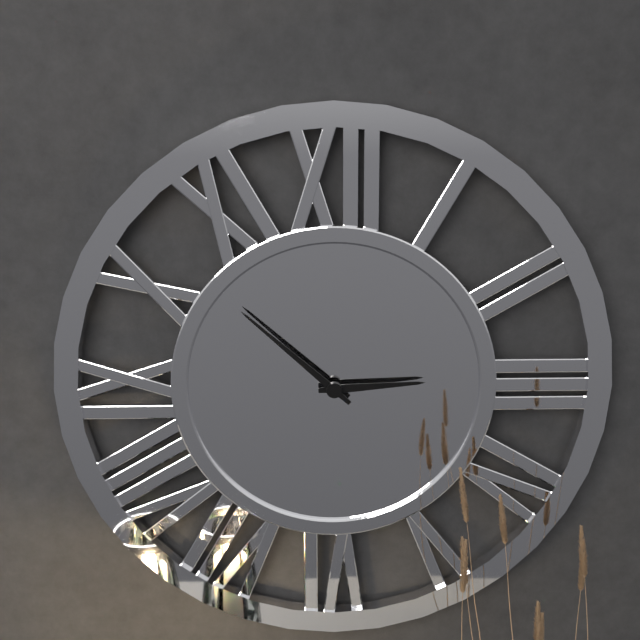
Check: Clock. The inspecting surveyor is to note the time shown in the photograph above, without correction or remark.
2:52
